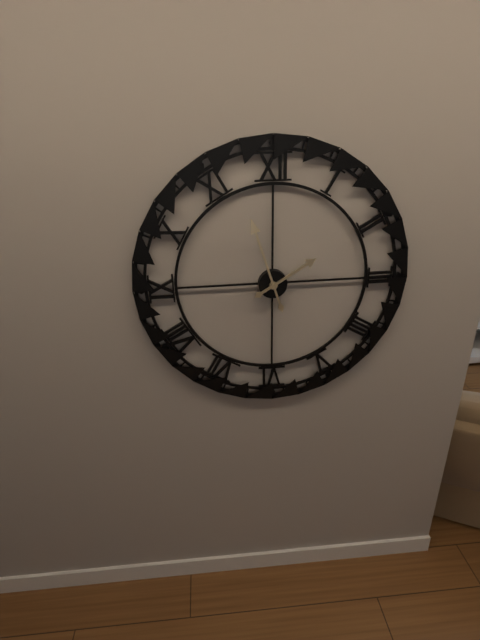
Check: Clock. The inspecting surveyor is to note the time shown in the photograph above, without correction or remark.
1:57
